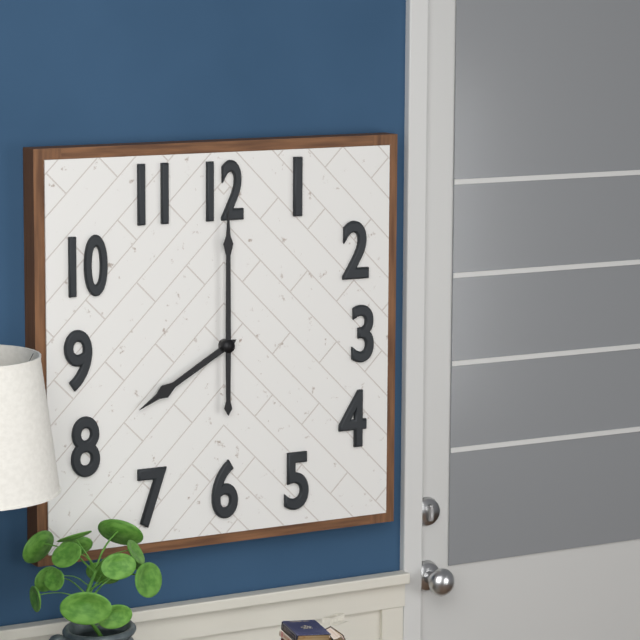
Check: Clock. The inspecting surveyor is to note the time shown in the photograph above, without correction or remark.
8:00
